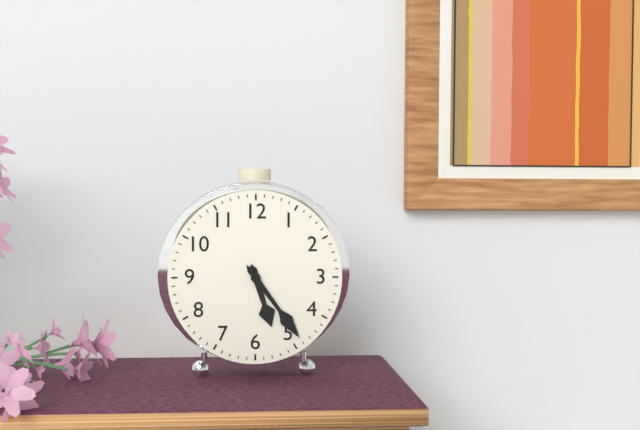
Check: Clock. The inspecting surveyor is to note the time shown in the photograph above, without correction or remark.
5:24
